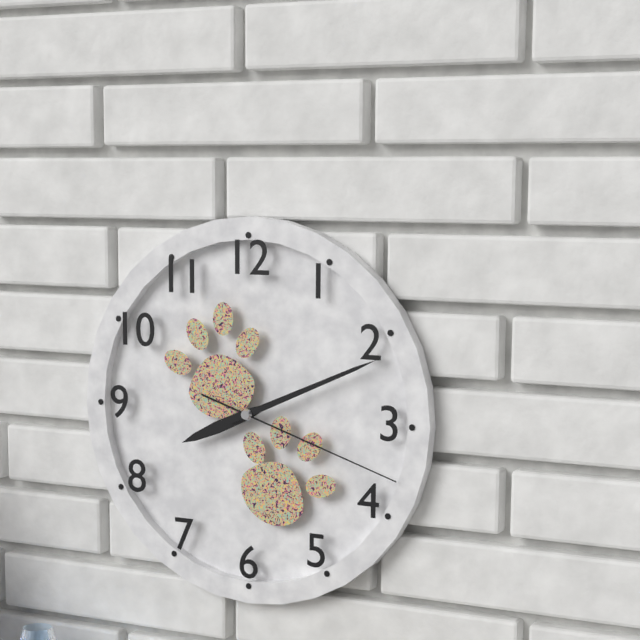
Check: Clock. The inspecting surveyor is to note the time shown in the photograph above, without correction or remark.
8:11:18
